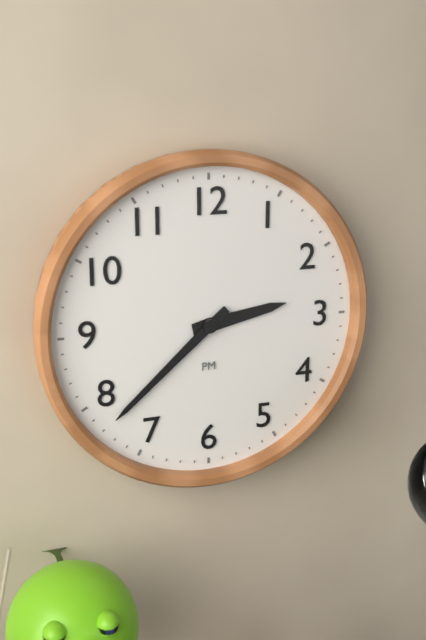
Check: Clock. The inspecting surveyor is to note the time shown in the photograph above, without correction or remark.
2:38
